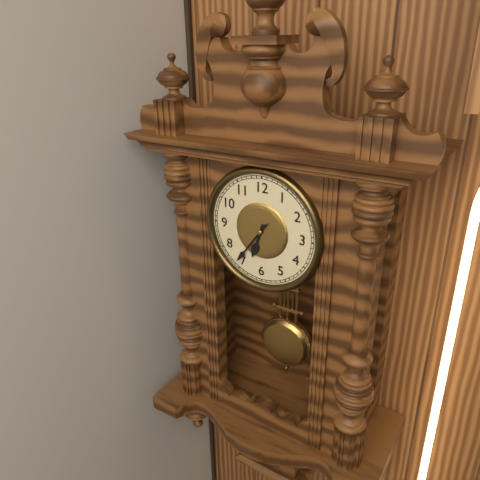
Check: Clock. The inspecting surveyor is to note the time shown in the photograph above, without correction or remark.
6:36
